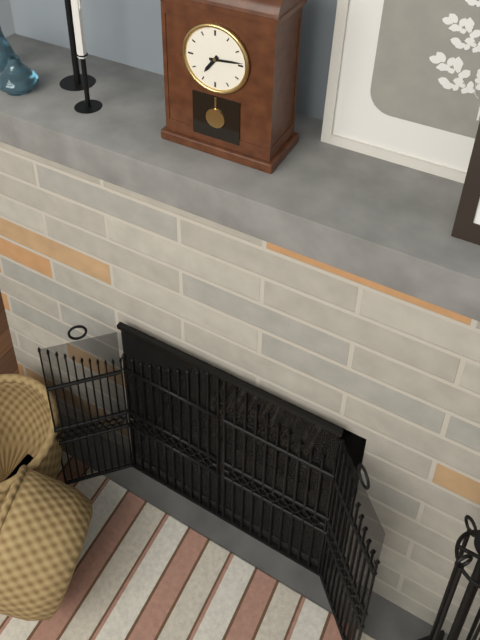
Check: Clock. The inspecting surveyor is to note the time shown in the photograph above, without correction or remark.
7:14
